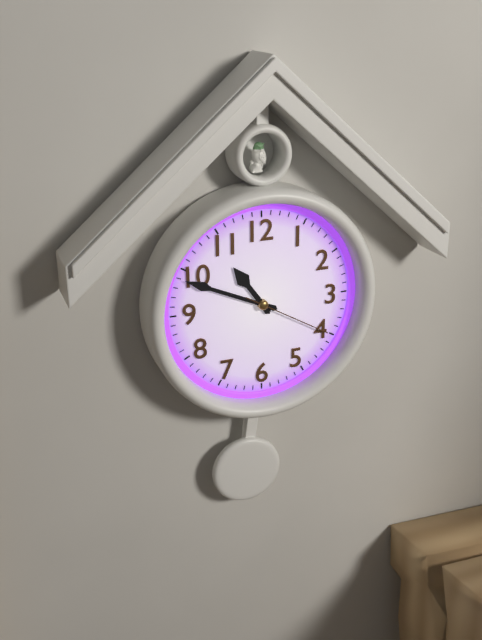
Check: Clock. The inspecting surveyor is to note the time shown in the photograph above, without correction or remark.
10:49:20
